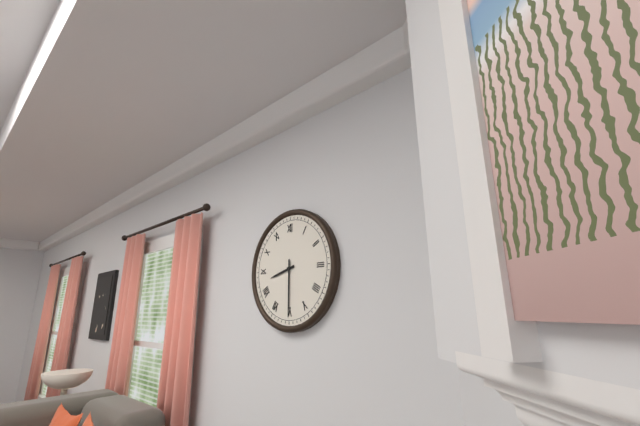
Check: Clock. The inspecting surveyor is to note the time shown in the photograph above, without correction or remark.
8:30
